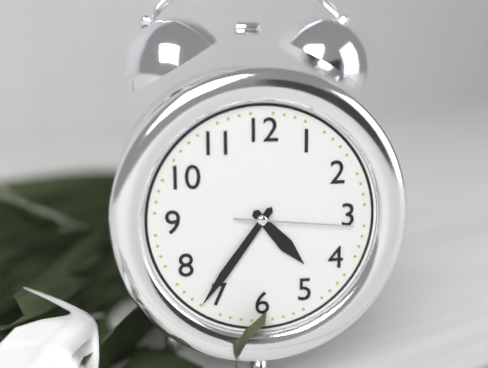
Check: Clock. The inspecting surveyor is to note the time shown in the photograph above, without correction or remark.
4:36:16
